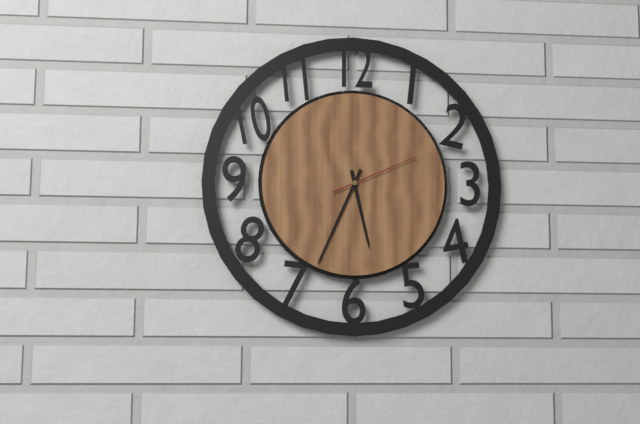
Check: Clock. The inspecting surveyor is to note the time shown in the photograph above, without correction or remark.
5:34:11
